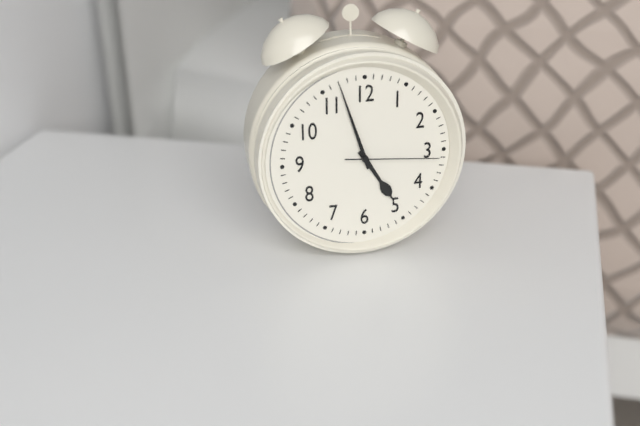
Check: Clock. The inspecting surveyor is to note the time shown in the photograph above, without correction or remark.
4:57:16
